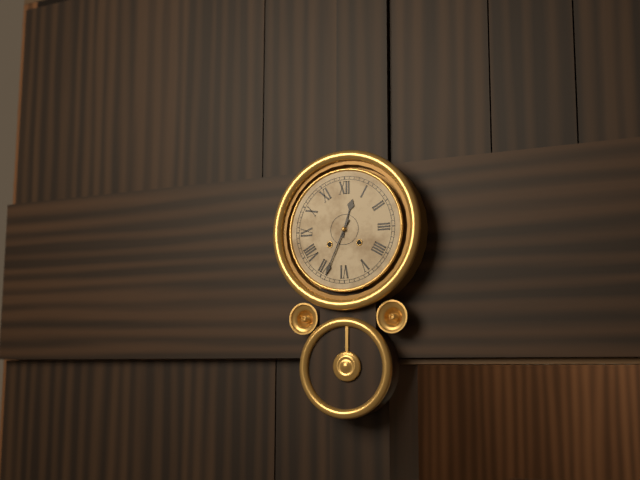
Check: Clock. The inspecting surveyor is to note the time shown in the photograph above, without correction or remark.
12:34
